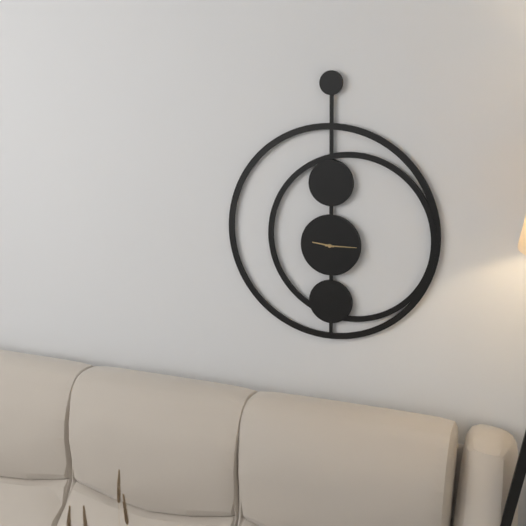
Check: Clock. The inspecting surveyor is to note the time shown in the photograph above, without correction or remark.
9:15
